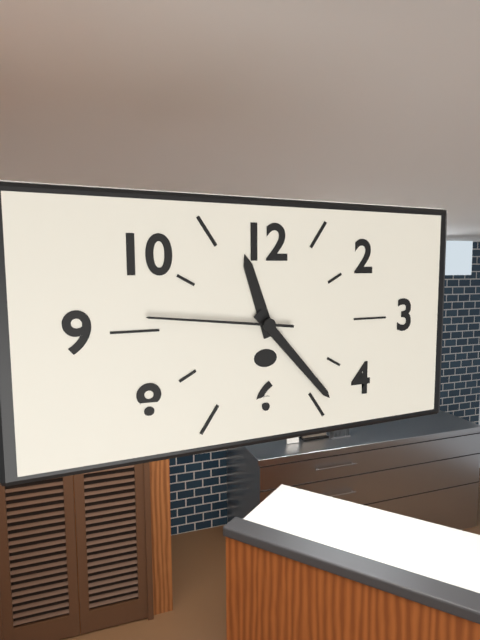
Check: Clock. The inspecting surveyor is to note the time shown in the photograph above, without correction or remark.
11:23:46
